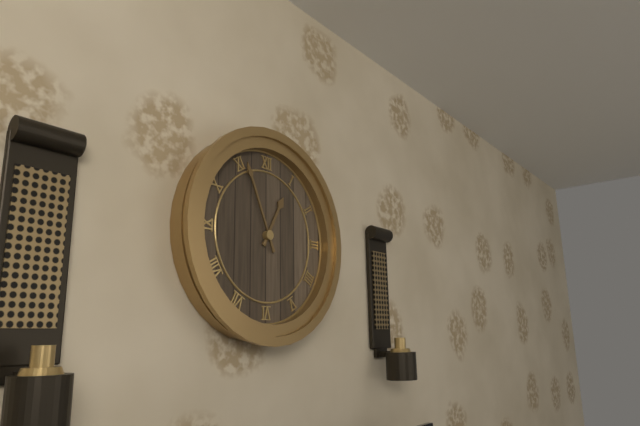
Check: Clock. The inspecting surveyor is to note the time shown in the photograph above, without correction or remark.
12:56
